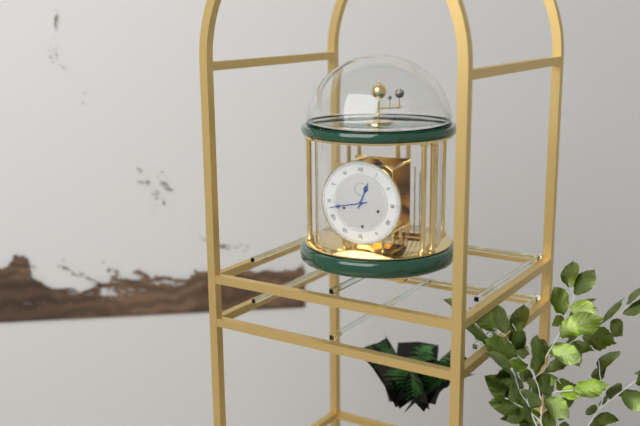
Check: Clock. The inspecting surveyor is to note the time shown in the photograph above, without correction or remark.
12:43
